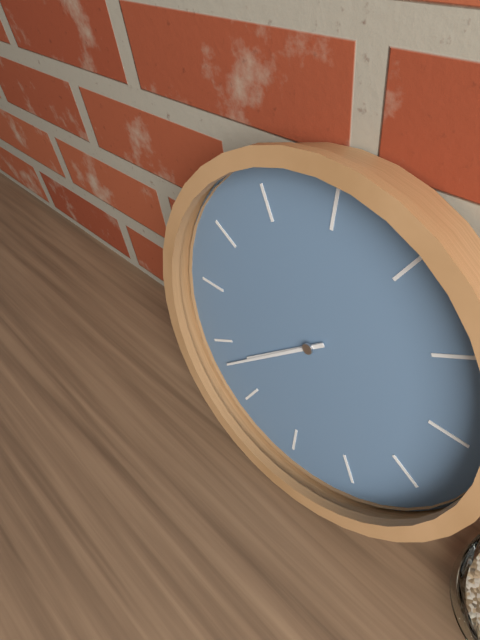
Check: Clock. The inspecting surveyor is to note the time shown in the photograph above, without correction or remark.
7:38
